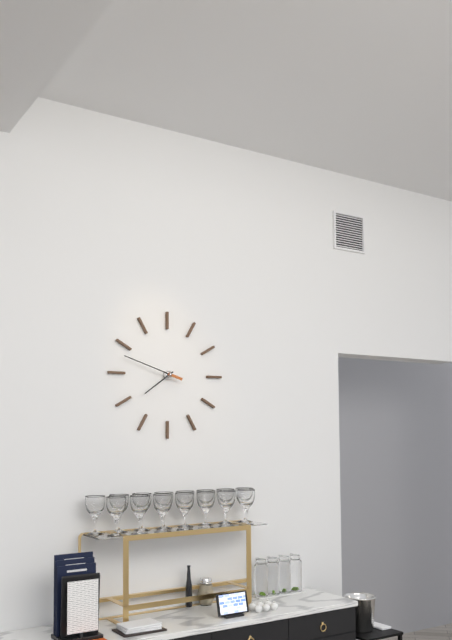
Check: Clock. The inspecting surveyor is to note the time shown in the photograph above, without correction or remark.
7:48
